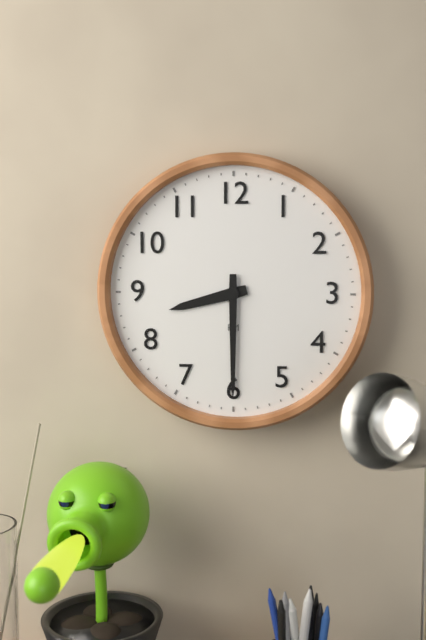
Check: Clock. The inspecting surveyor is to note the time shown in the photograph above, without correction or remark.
8:30
